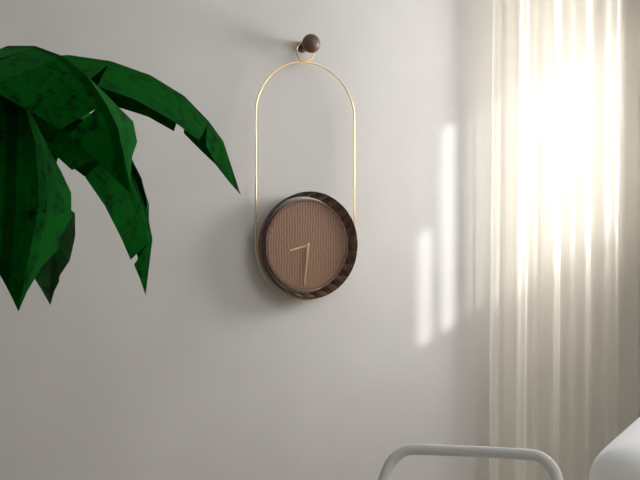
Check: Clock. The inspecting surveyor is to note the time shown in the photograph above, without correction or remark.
8:31
